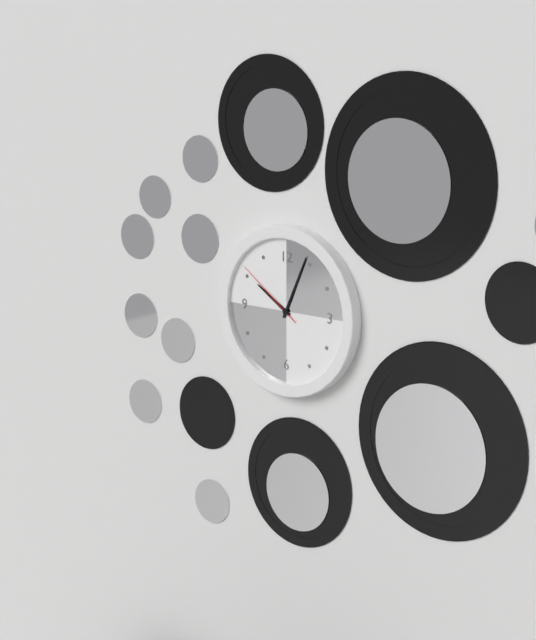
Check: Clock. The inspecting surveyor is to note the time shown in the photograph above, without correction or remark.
10:04:51
